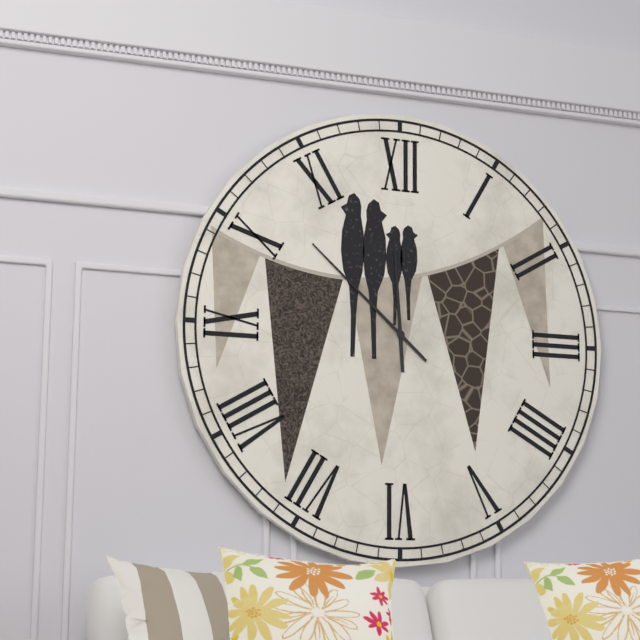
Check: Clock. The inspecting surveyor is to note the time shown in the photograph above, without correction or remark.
11:52
